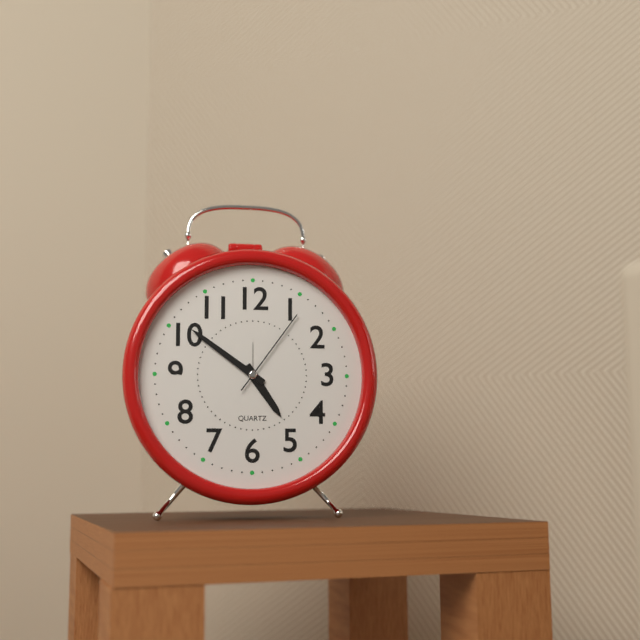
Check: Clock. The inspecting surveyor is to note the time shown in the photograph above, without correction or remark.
4:51:06
